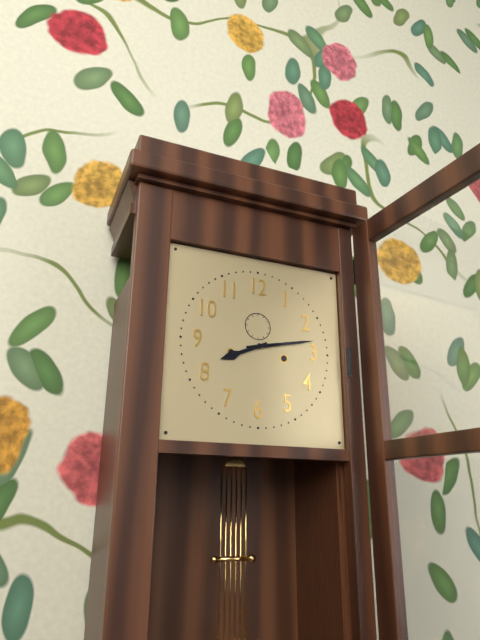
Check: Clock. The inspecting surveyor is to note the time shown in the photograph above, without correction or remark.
8:13
